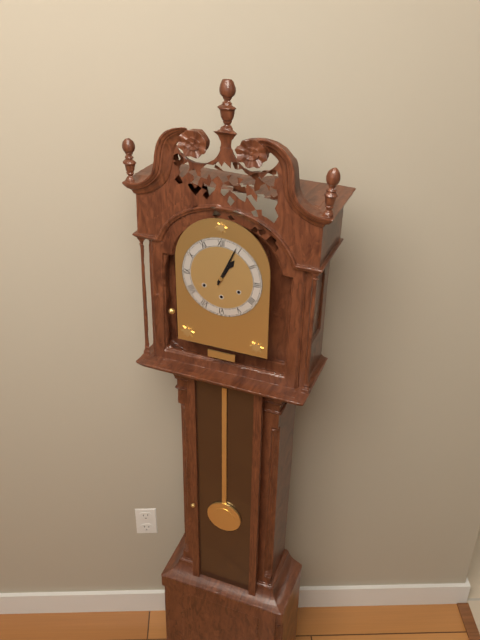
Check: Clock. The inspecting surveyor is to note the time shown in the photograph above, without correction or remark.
1:04
